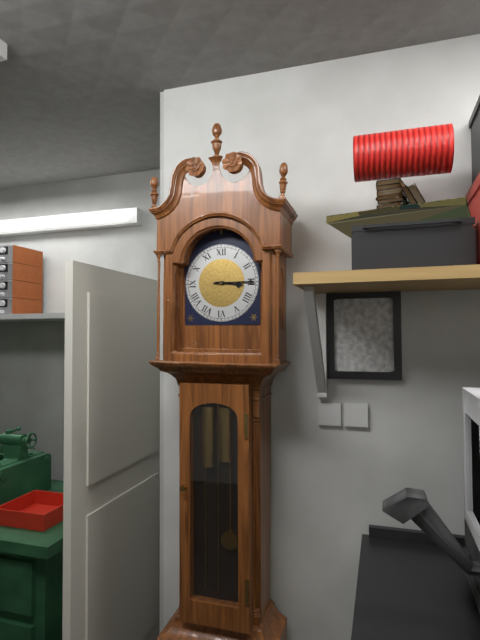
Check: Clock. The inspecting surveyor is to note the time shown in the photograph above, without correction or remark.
3:15
